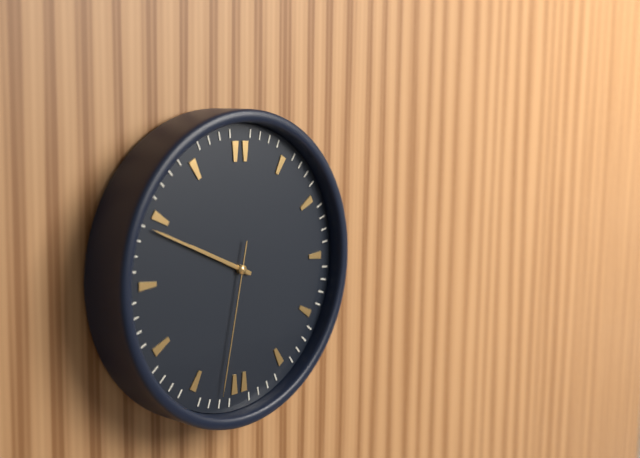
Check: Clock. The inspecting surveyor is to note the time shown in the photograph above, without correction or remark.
9:49:32
